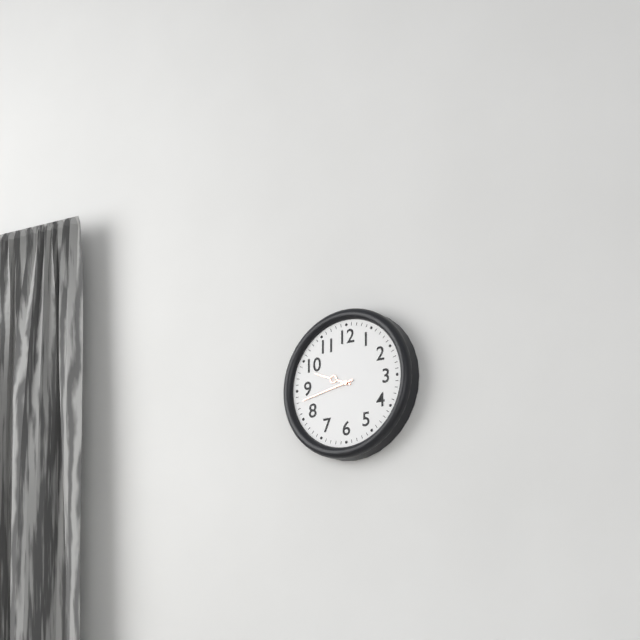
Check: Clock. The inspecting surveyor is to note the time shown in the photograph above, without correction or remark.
9:43
